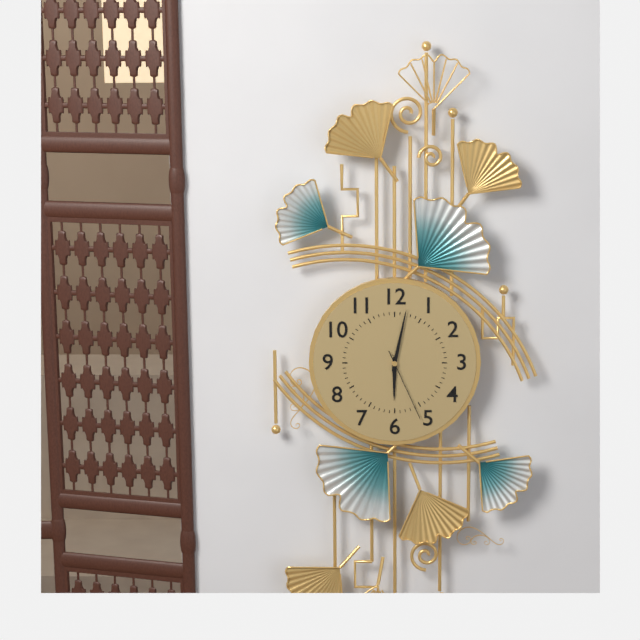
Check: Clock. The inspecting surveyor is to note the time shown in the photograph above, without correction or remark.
6:02:26
